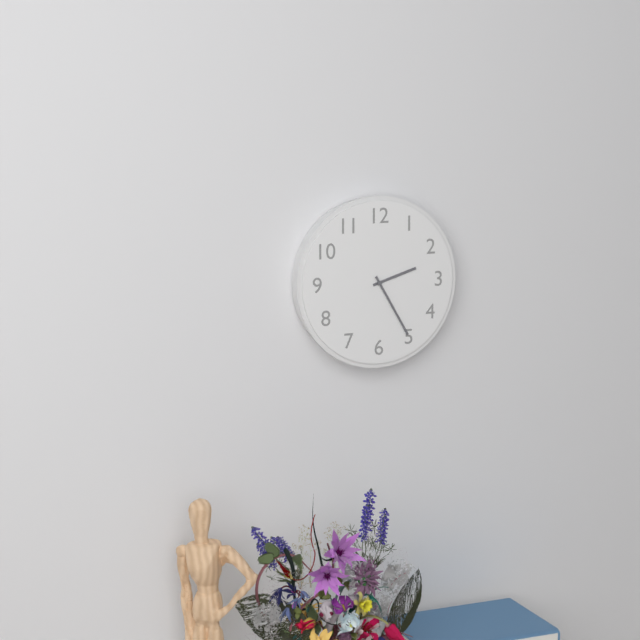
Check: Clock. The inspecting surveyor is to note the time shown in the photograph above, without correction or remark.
2:25
